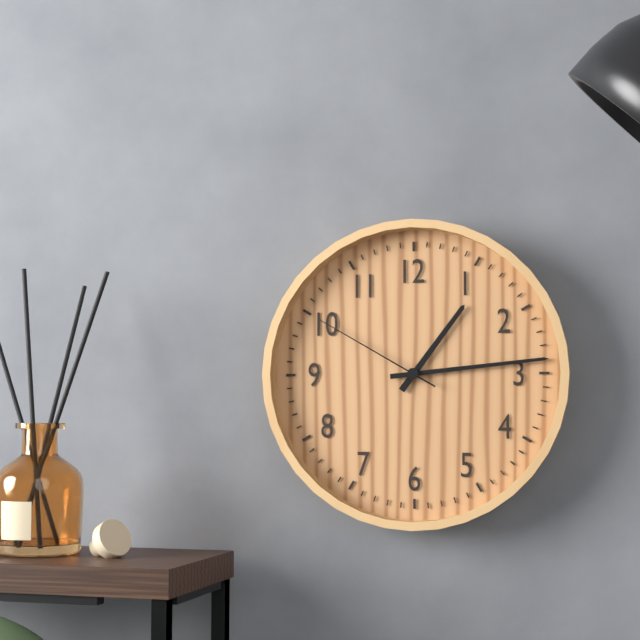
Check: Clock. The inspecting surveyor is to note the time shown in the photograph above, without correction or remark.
1:14:50
